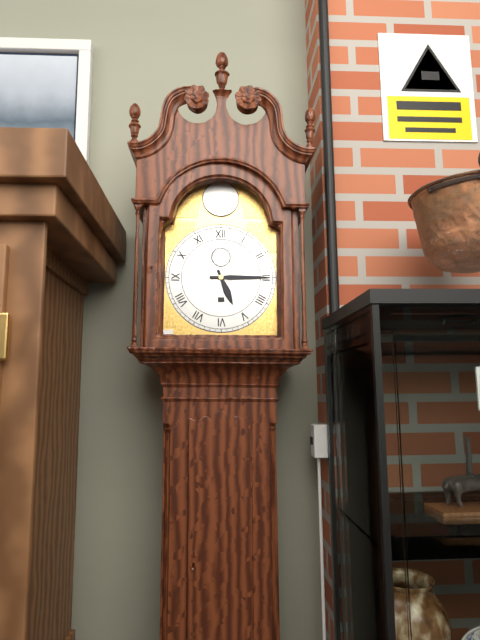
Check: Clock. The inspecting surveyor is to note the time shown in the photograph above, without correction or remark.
5:15
